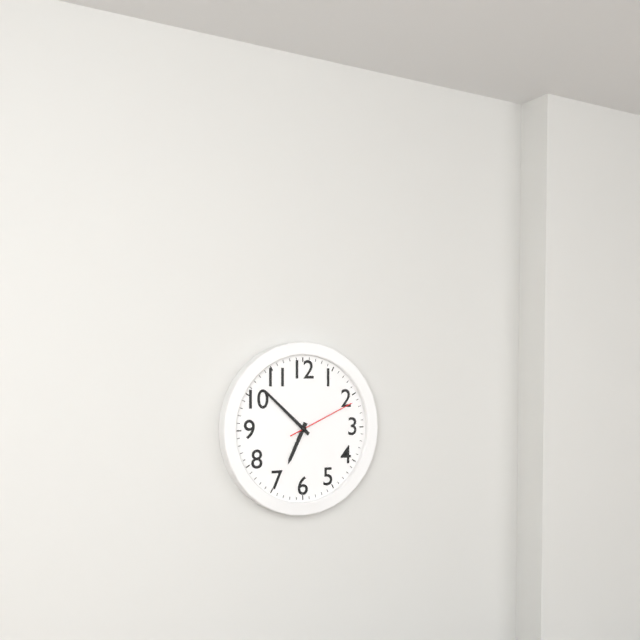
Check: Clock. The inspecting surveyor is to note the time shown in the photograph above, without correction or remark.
6:52:11
